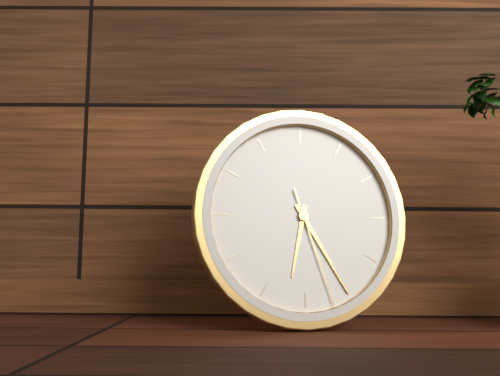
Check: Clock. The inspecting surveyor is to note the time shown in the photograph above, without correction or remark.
6:25:27
